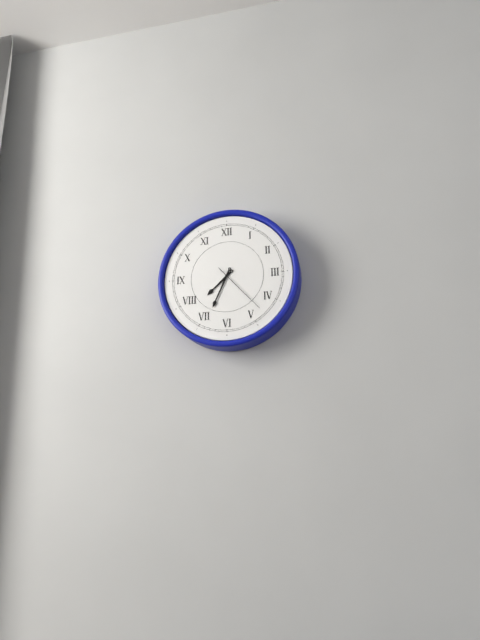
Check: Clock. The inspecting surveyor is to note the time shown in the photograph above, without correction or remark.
7:34:23
